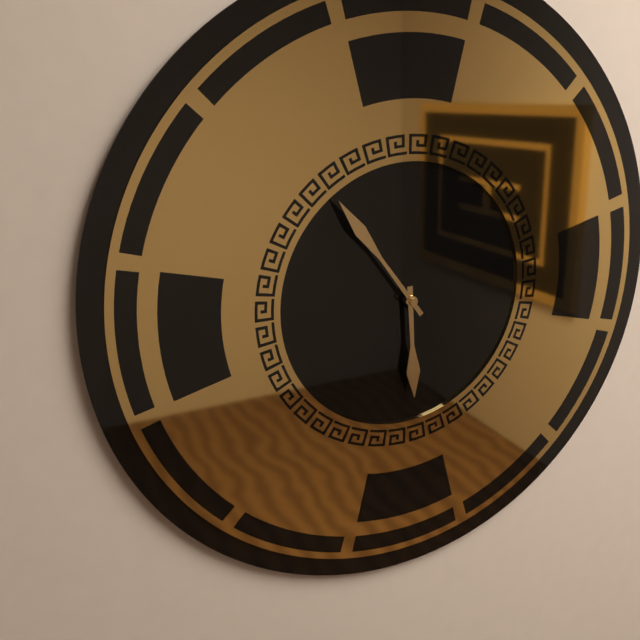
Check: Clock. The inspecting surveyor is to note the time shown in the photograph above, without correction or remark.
5:54
